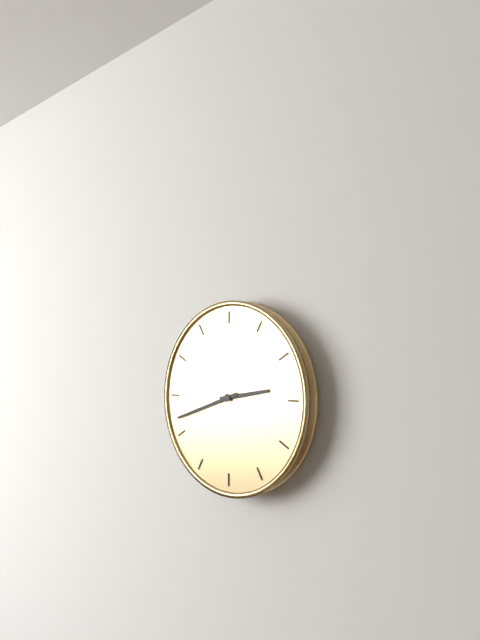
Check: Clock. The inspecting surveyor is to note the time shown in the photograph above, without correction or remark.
2:42
